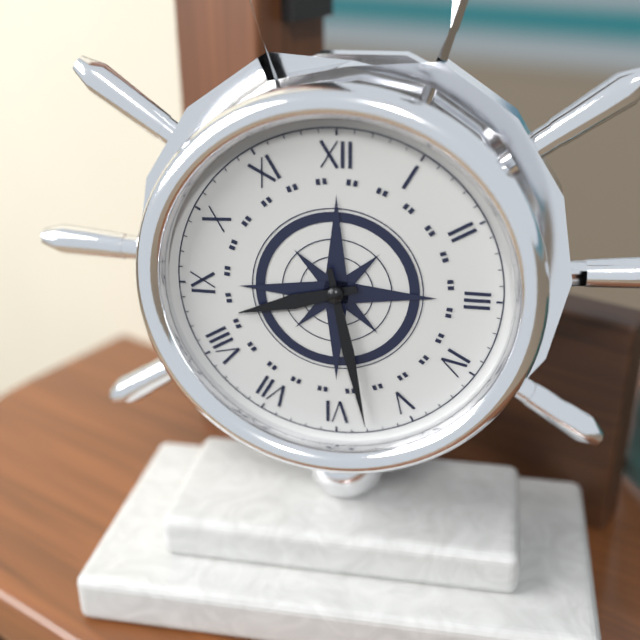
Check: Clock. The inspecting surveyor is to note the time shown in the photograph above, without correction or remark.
8:28
